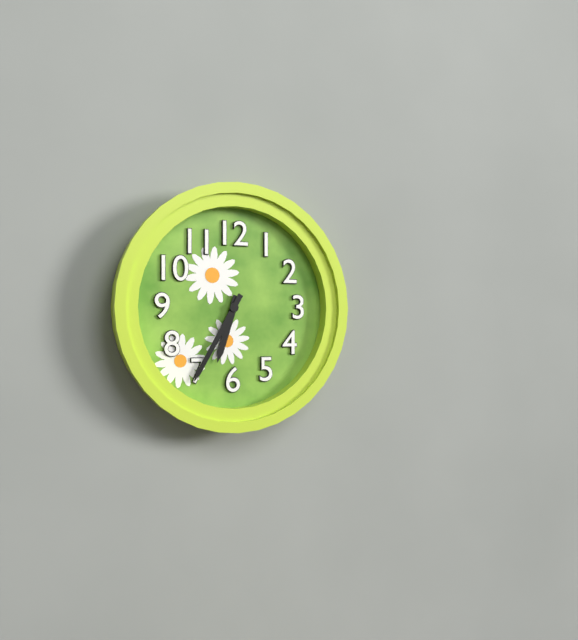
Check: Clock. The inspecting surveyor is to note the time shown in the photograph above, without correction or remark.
6:35
